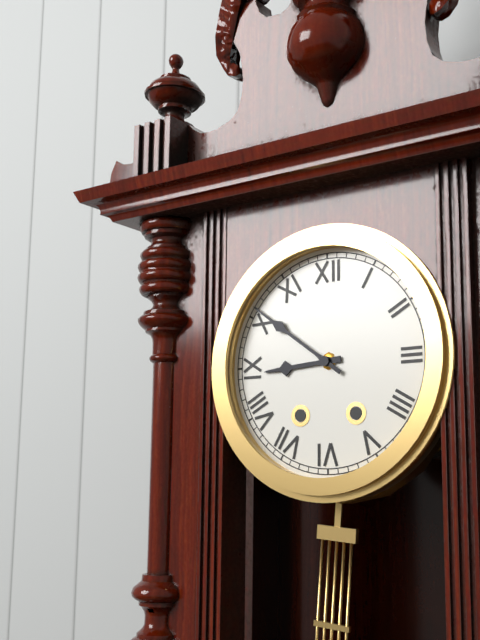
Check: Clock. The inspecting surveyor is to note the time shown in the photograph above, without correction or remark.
8:51
